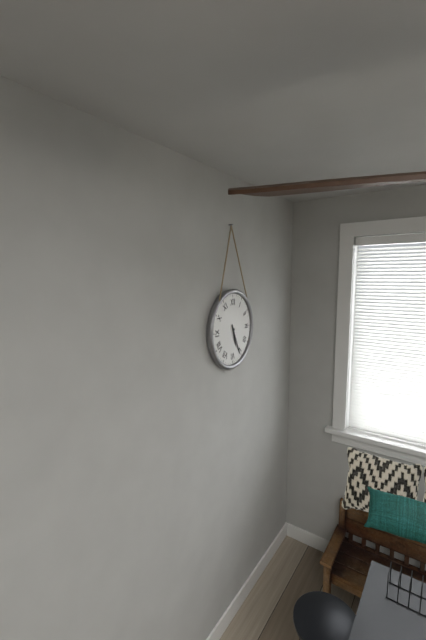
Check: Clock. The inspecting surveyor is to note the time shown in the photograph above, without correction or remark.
5:26
